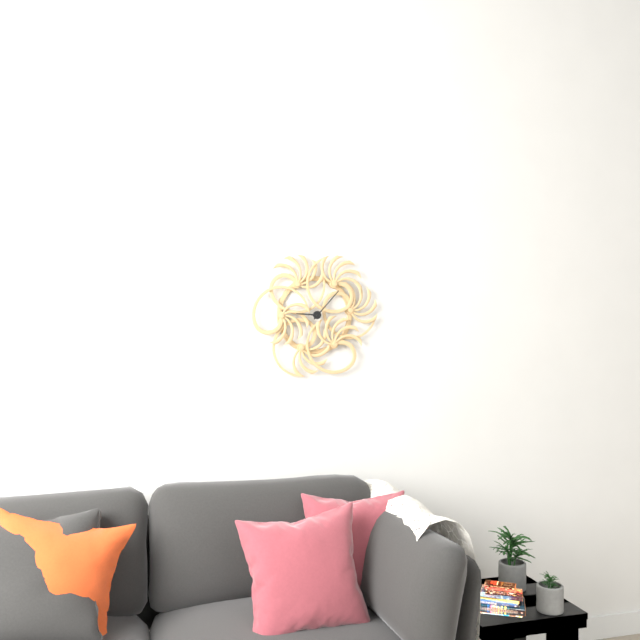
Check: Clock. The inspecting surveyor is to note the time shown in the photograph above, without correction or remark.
9:07
